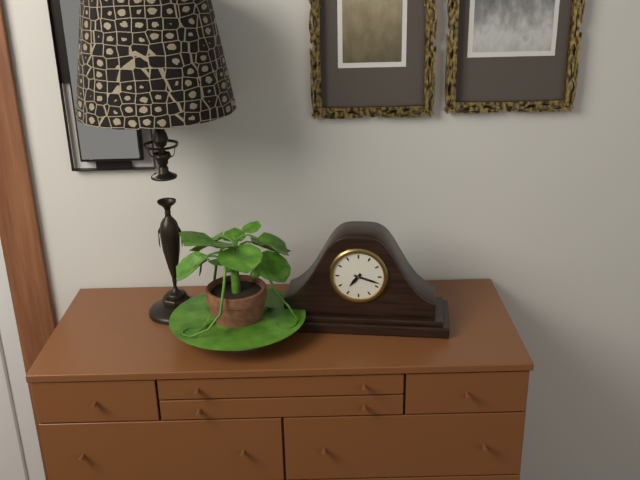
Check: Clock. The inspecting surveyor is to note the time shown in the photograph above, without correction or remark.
7:18
